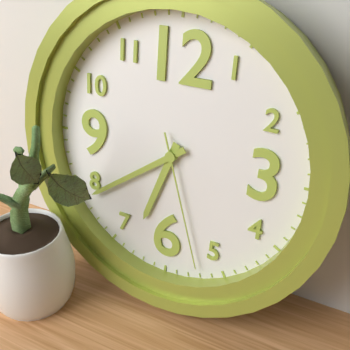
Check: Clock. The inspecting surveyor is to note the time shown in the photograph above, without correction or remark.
6:39:27
